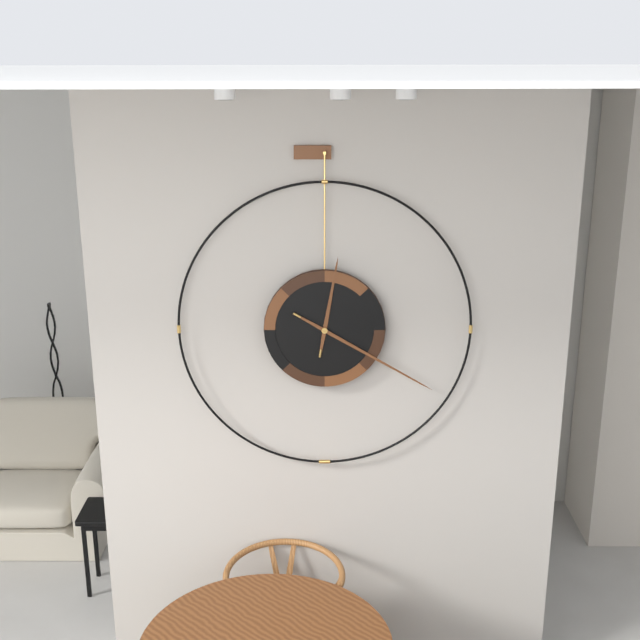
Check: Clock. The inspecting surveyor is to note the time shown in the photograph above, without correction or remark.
12:20
